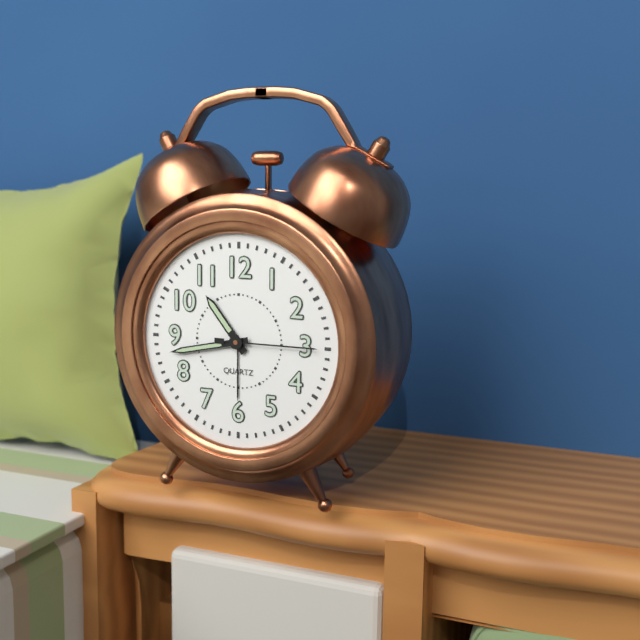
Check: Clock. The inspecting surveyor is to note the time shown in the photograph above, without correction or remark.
10:43:15
